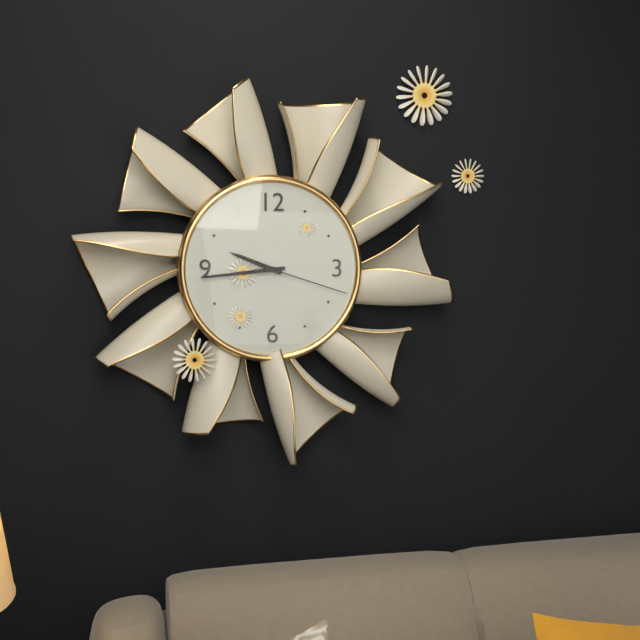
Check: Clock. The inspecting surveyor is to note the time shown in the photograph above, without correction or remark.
9:44:18
